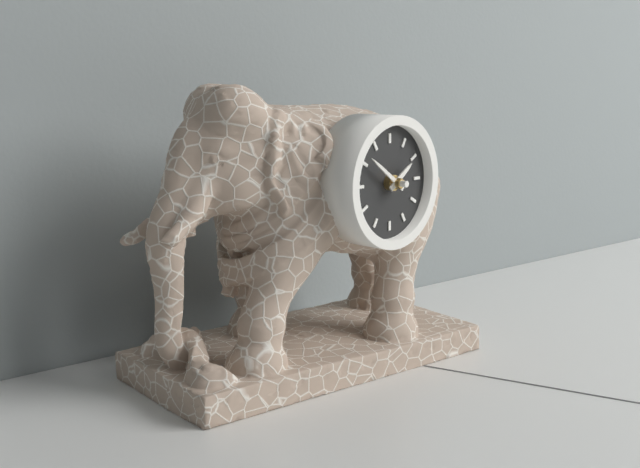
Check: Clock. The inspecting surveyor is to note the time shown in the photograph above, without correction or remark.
1:51
